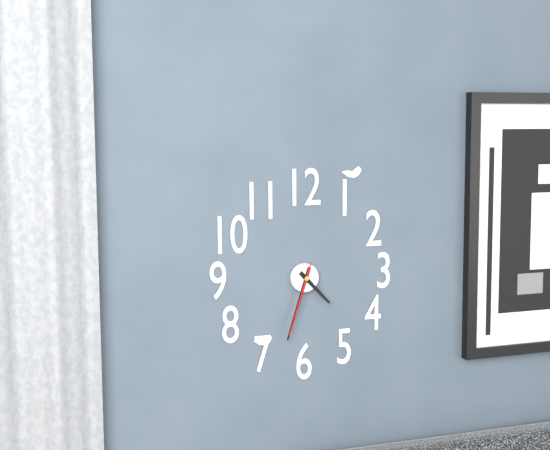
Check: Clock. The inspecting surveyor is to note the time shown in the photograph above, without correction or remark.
4:33:33
